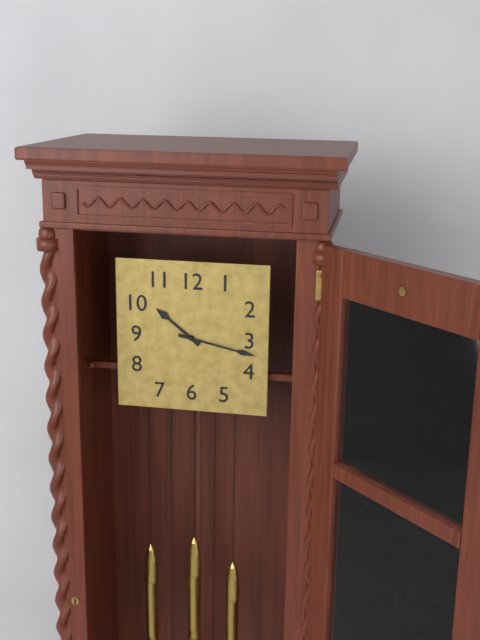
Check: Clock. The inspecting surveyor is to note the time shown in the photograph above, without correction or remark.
10:17
